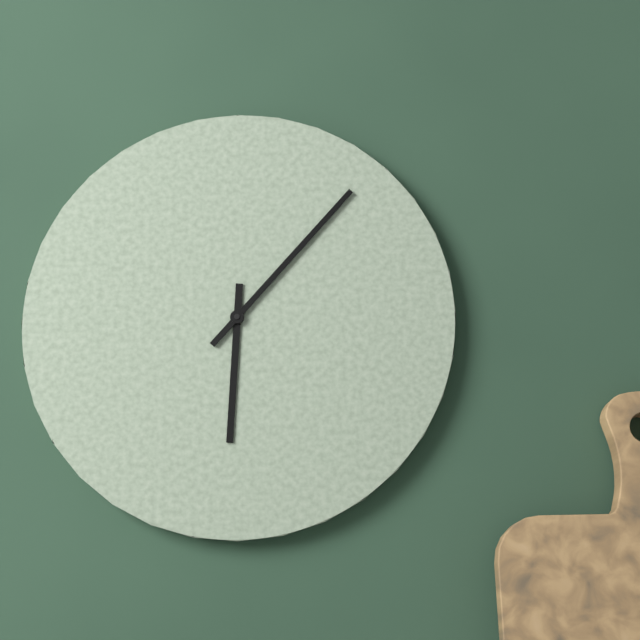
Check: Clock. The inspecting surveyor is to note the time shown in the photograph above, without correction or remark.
6:07
